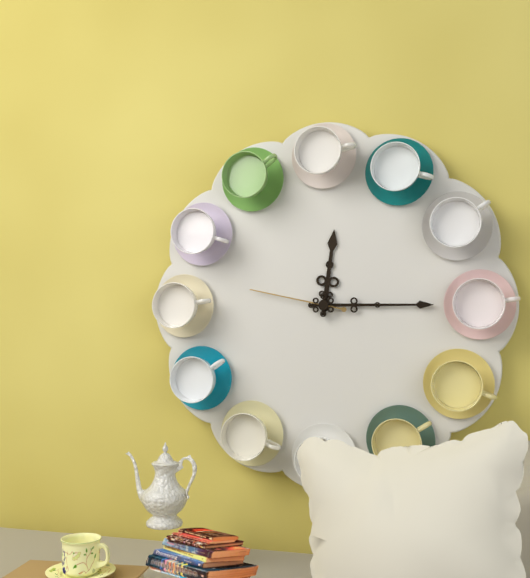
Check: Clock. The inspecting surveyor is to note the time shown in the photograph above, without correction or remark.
12:15:47
